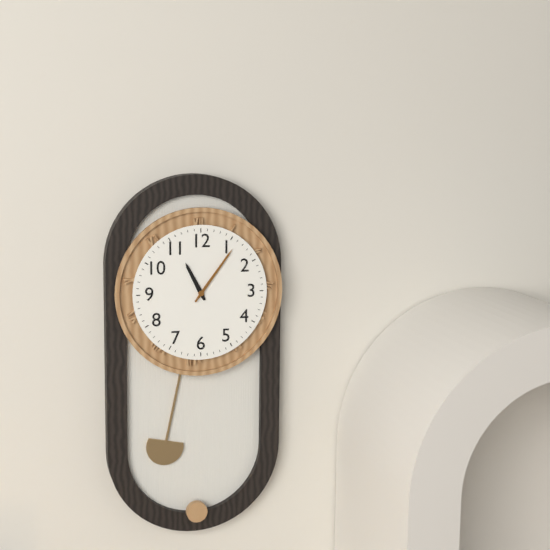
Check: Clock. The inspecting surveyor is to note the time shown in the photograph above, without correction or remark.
11:06
